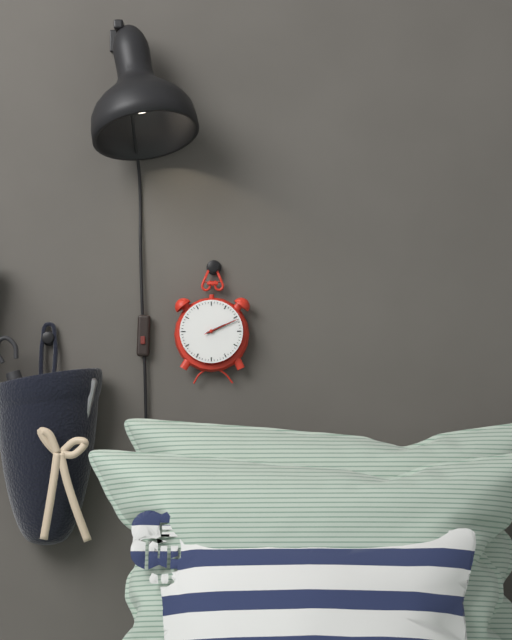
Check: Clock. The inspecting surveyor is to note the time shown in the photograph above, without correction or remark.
2:11
